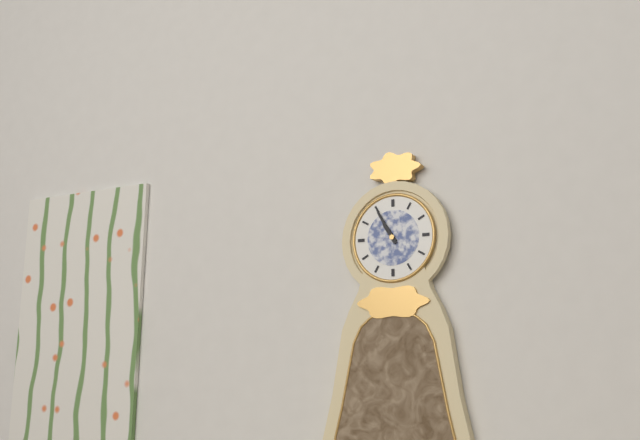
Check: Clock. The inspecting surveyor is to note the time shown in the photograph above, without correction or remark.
10:55
